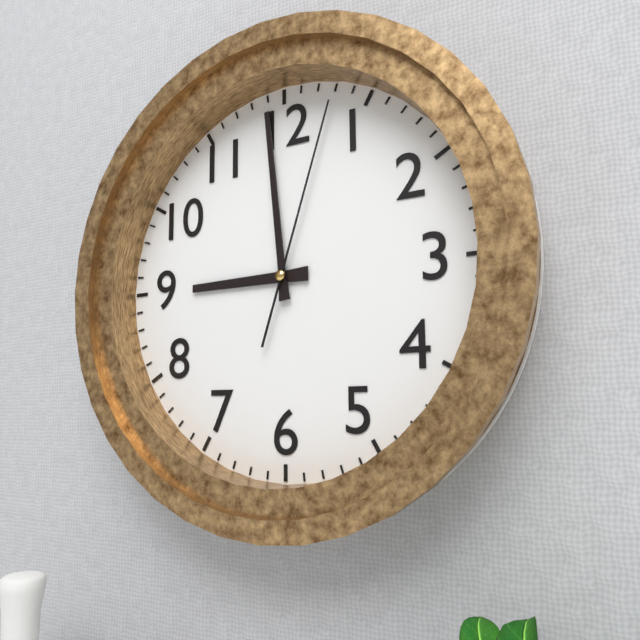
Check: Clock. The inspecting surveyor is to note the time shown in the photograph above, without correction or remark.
8:59:03
